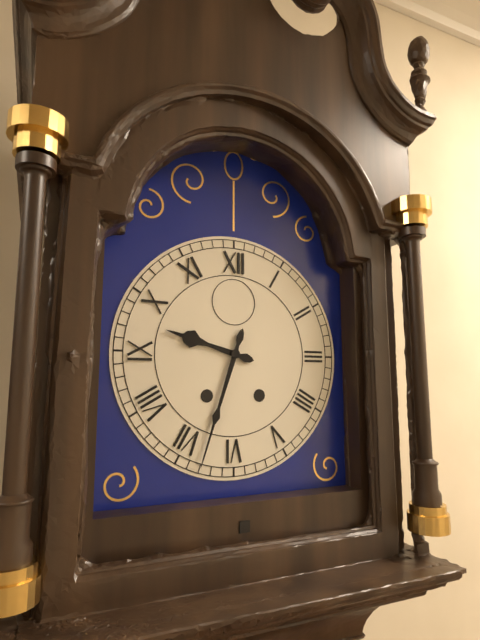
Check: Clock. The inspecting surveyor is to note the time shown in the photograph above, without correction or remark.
9:33
